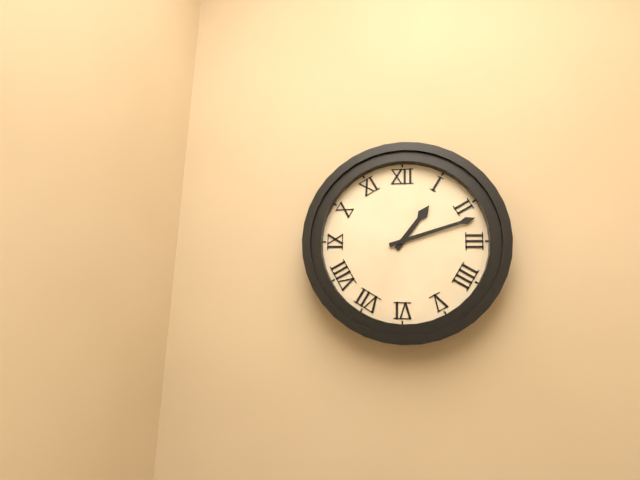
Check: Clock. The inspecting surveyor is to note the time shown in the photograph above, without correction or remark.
1:12
